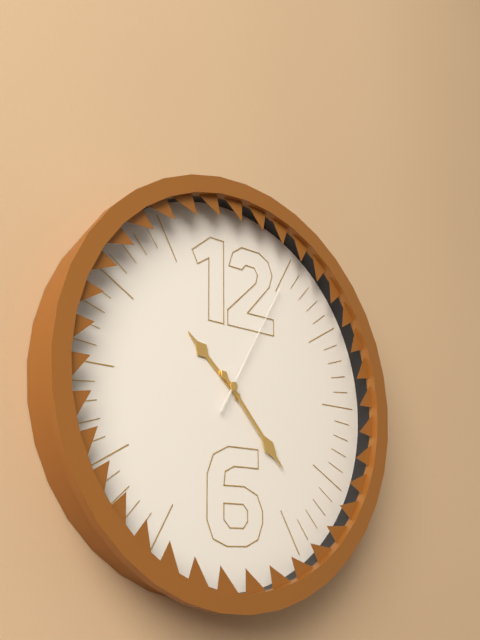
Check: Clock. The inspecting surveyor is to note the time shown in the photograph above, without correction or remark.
10:23:05
